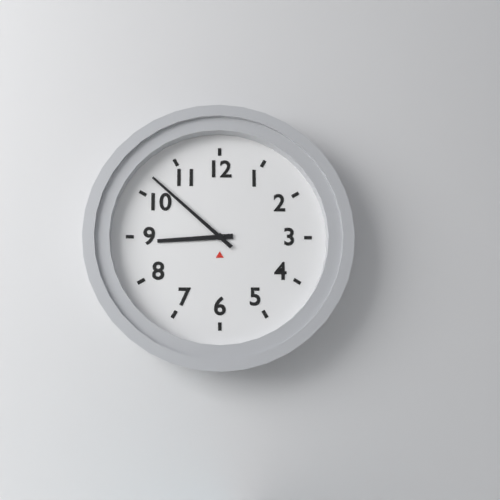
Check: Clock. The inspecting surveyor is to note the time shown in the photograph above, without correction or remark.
8:52
